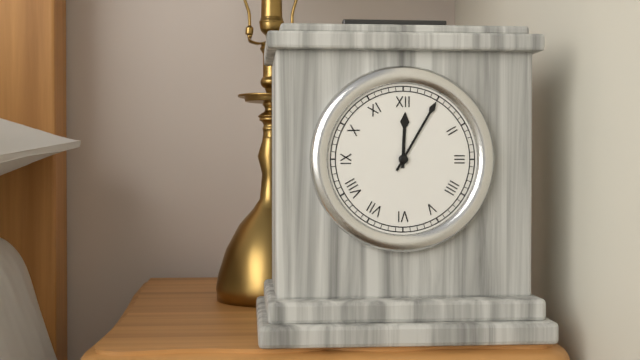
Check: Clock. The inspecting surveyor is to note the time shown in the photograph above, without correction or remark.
12:05
